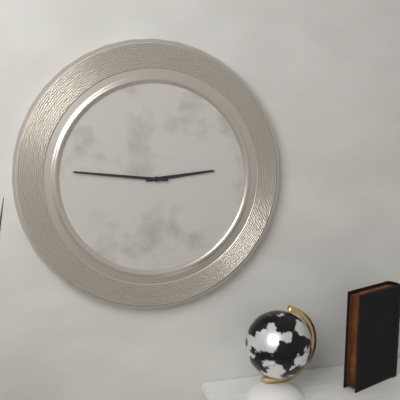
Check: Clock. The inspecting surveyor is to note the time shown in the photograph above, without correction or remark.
2:46
